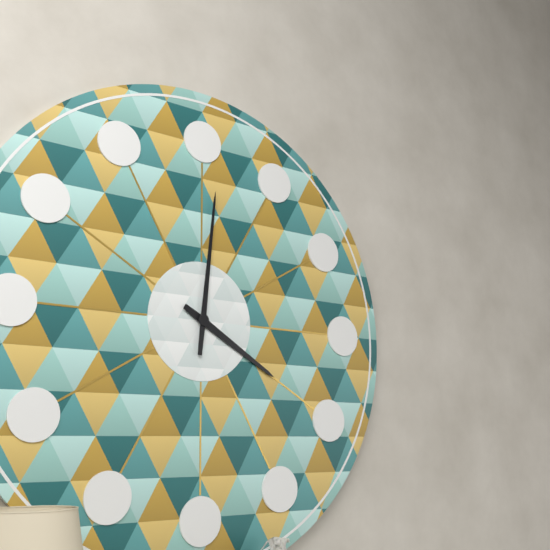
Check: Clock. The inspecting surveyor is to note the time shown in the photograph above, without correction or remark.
4:01
